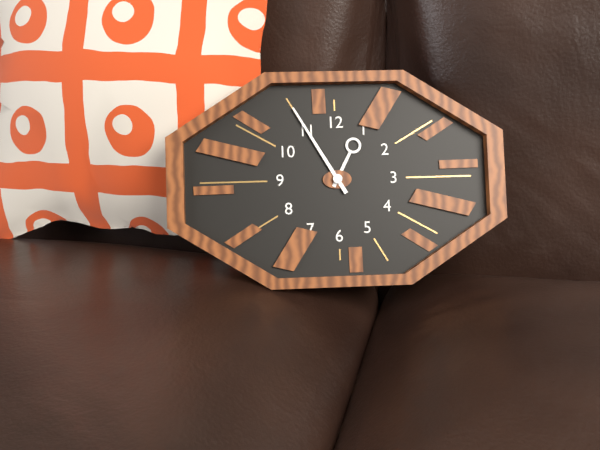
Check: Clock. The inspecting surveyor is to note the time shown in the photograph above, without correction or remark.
12:55
